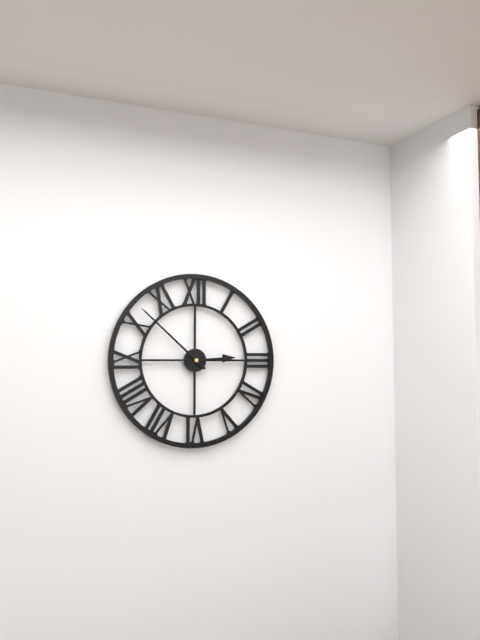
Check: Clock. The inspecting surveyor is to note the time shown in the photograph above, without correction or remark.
2:52
